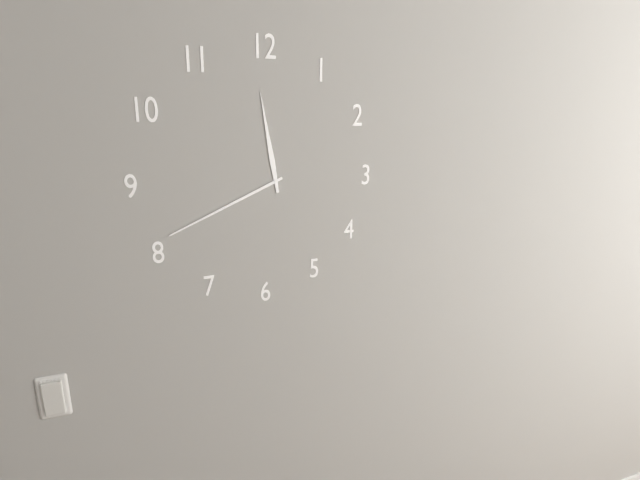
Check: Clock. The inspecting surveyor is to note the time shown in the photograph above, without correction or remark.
11:41
